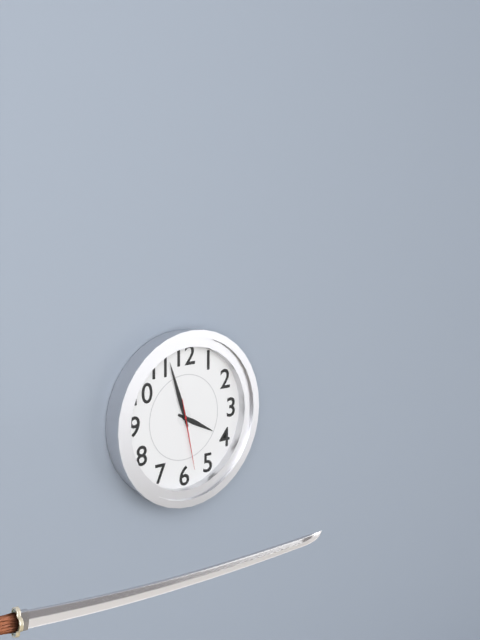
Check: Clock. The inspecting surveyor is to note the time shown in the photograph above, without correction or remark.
3:57:28
